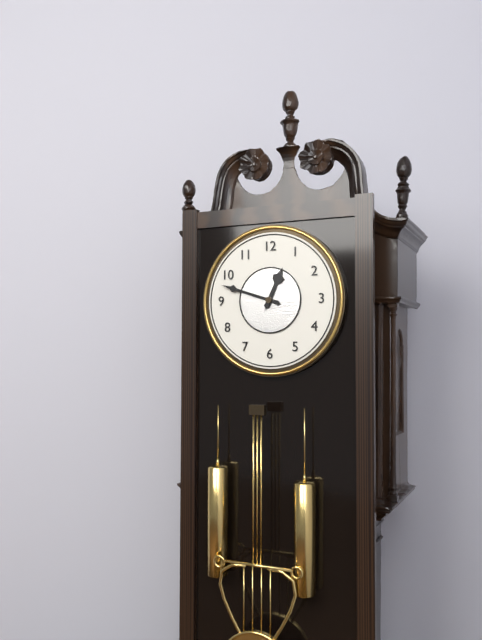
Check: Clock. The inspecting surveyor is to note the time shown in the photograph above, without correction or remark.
12:48
